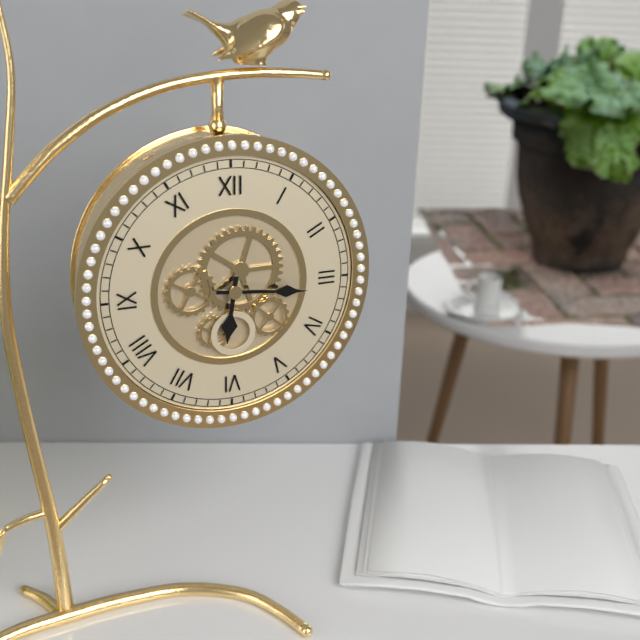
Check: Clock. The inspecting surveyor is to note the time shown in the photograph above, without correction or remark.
6:16
